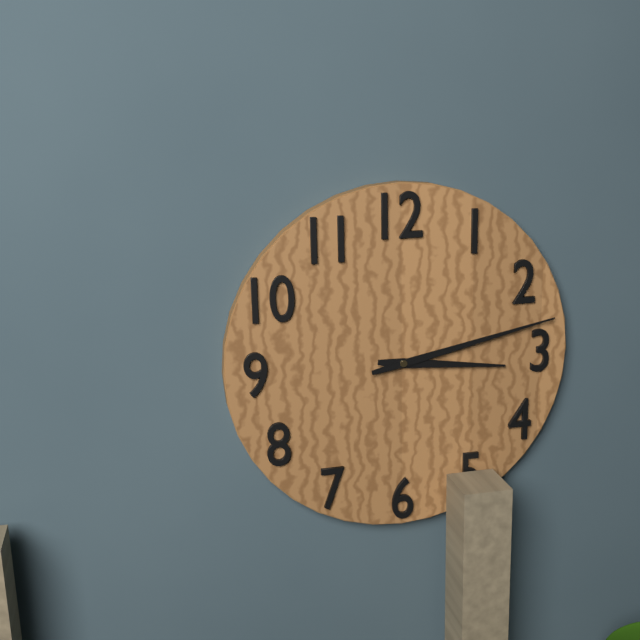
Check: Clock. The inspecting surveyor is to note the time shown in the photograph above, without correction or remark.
3:13
